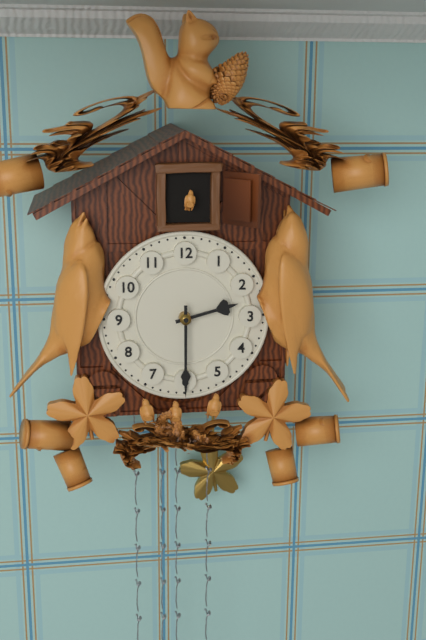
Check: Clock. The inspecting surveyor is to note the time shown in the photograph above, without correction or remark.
2:30
